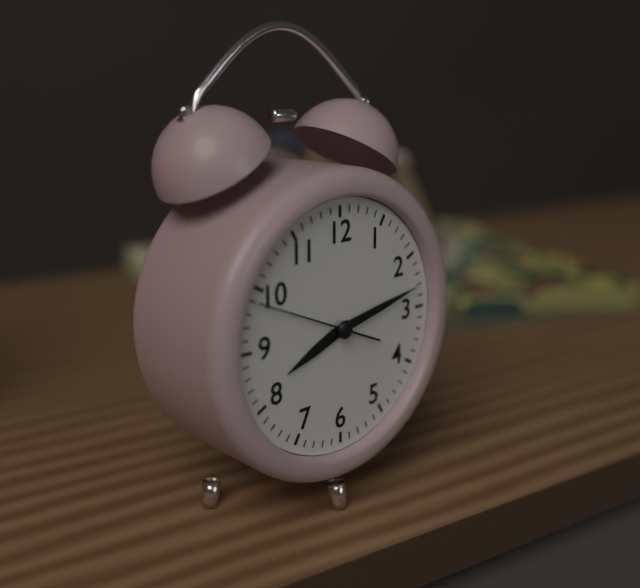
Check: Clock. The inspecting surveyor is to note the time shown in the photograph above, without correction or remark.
8:13:49
